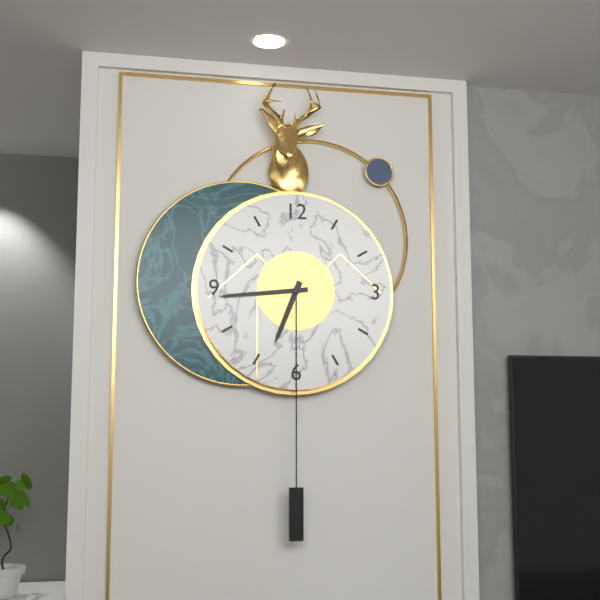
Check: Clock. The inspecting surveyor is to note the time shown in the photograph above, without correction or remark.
6:44
